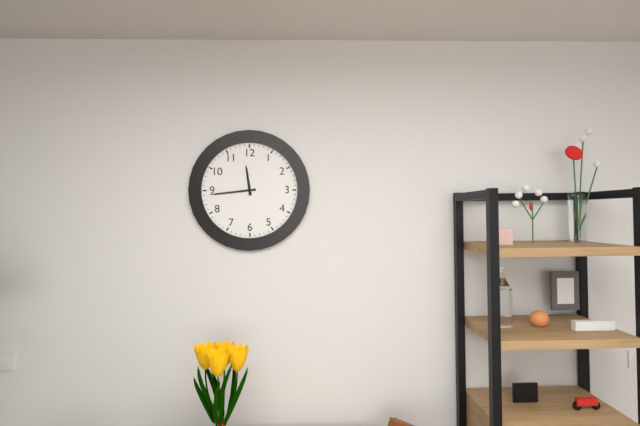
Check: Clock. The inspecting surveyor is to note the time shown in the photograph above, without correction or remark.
11:44
